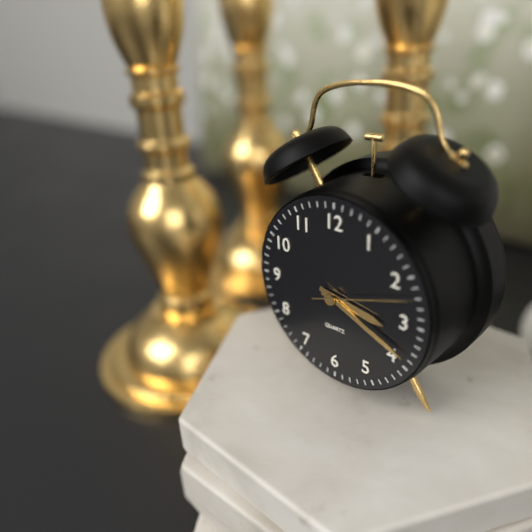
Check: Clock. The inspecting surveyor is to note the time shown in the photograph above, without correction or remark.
3:19:12
